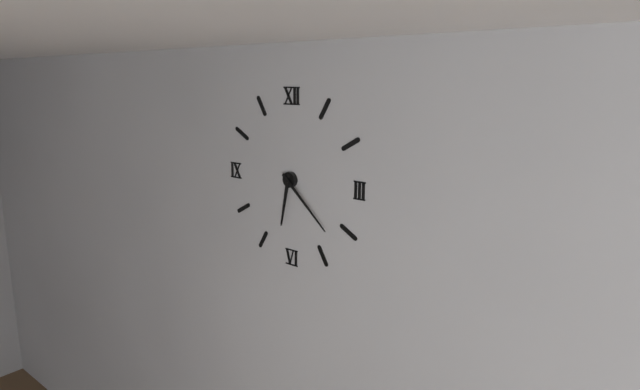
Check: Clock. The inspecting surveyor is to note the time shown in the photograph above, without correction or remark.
6:22
